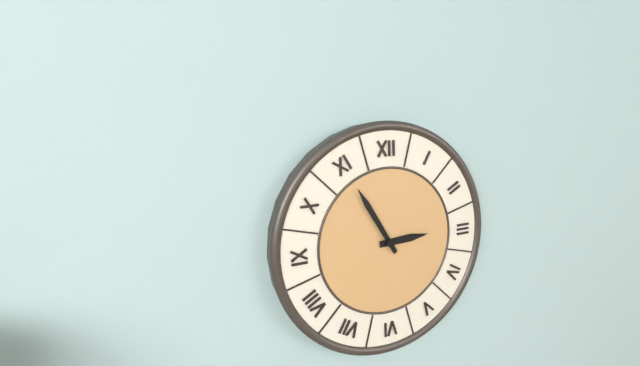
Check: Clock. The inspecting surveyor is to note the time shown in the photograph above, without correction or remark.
2:55
